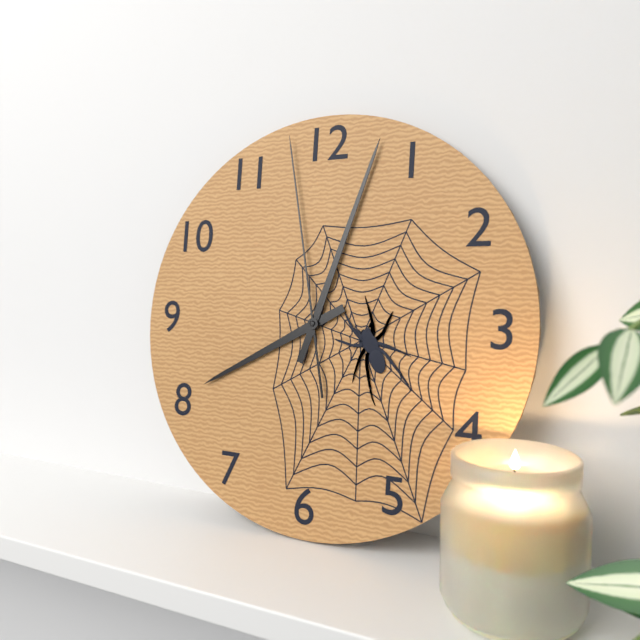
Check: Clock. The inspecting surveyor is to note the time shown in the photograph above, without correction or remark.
8:03:58
